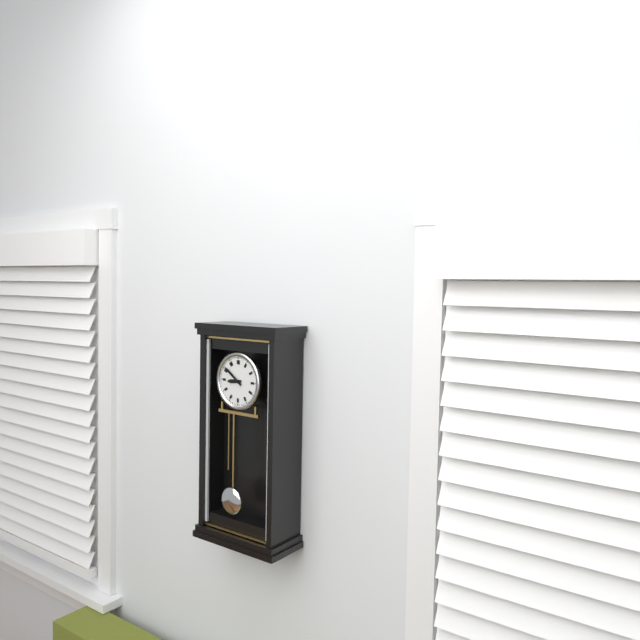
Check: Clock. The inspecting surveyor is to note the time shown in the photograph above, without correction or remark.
8:51
